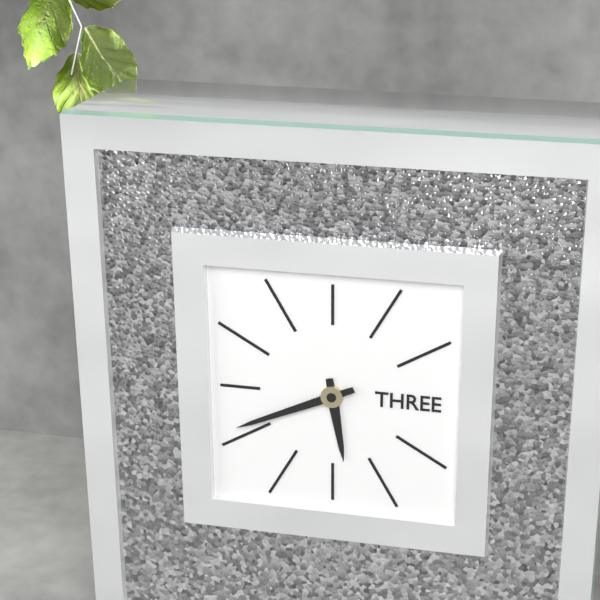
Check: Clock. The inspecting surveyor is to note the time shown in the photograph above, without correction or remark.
5:41
